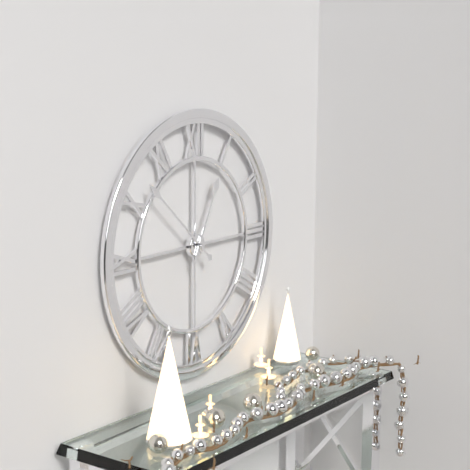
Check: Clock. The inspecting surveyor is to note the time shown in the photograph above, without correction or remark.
12:52
